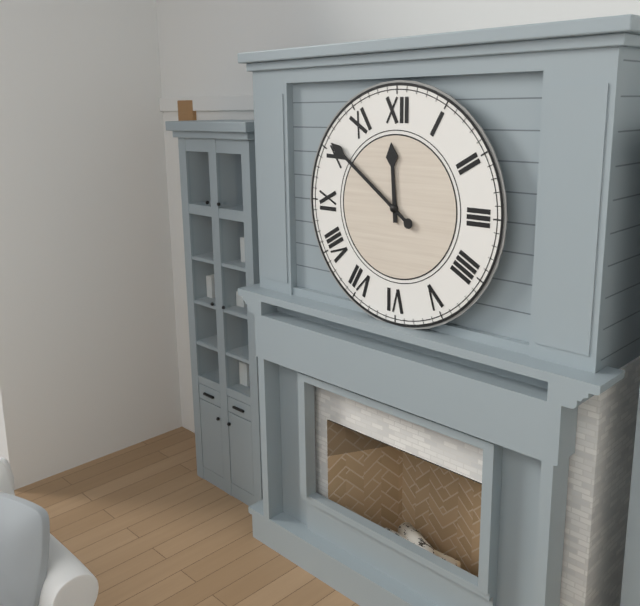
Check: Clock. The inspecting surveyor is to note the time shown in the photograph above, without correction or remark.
11:51
